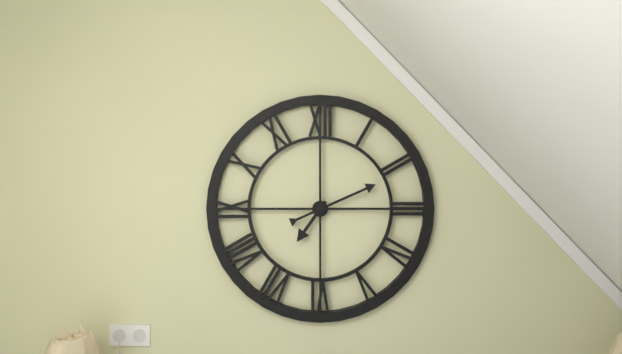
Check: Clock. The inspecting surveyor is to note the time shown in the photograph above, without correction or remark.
7:11
